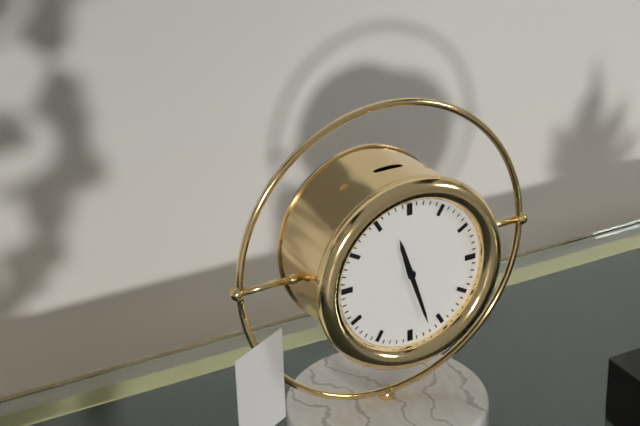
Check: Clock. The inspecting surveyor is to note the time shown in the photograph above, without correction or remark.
11:27
